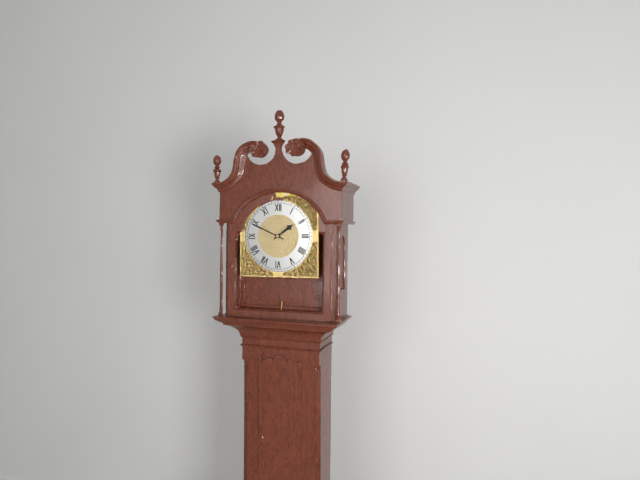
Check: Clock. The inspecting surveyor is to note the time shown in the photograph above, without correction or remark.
1:49
